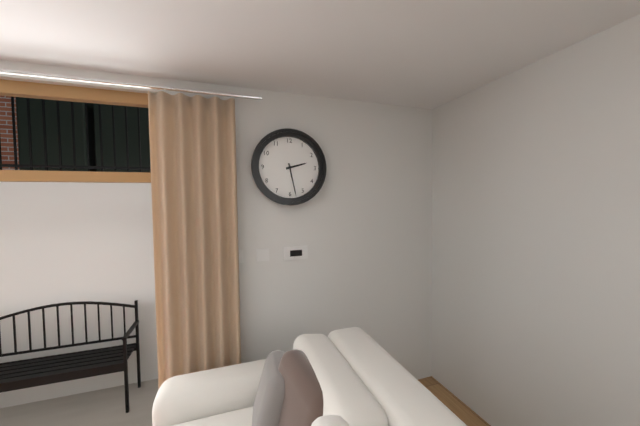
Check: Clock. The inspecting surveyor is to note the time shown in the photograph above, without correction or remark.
2:28
